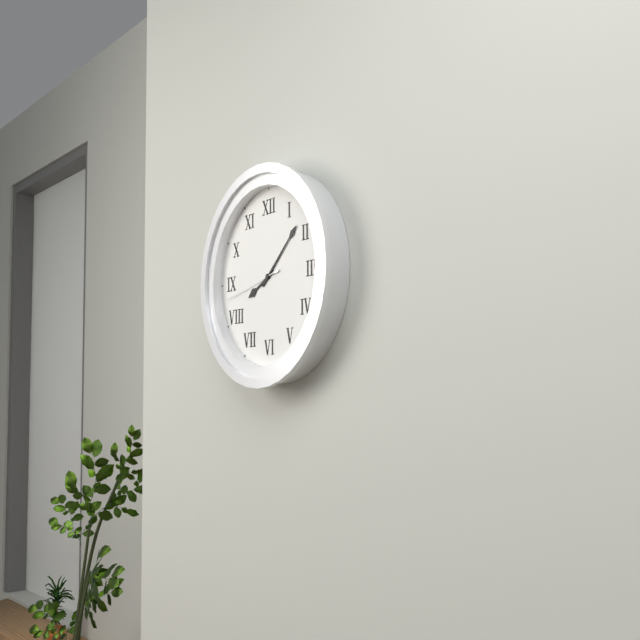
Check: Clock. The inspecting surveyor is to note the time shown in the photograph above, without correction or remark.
8:08:43
